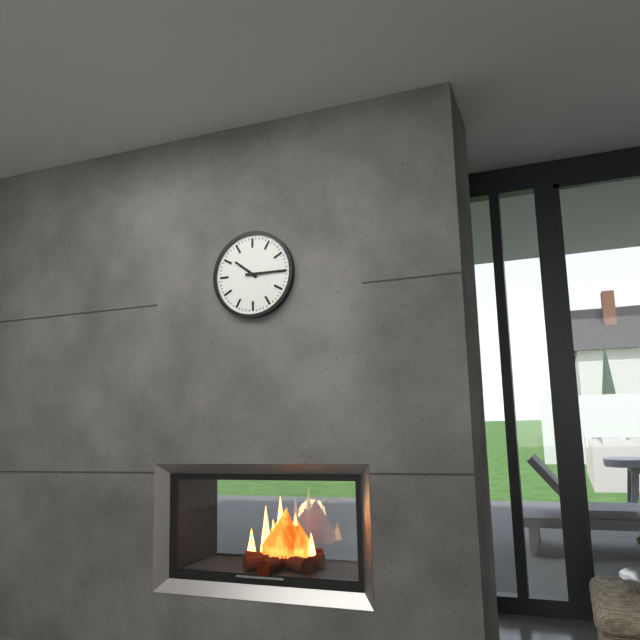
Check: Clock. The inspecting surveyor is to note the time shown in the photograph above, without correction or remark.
10:15
